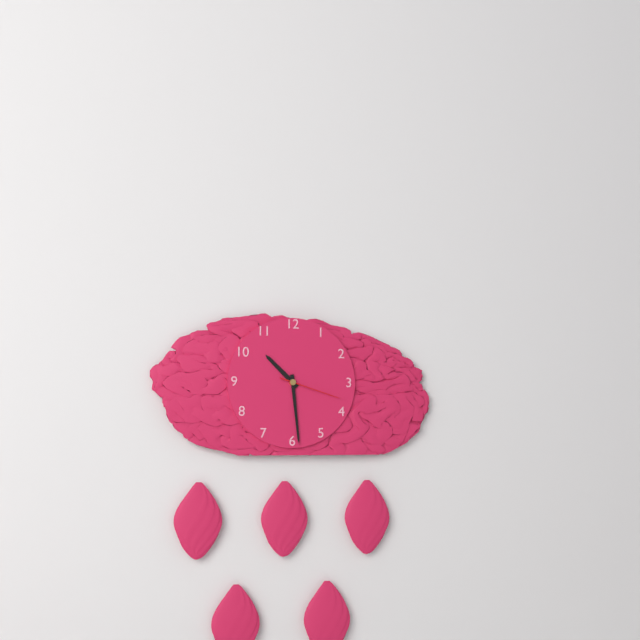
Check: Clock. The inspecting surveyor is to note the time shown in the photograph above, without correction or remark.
10:29:18
